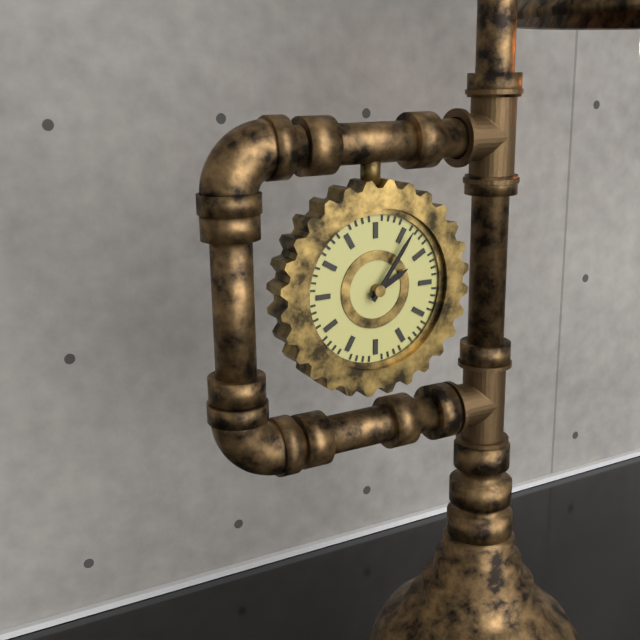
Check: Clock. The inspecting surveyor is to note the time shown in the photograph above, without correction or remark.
2:06
